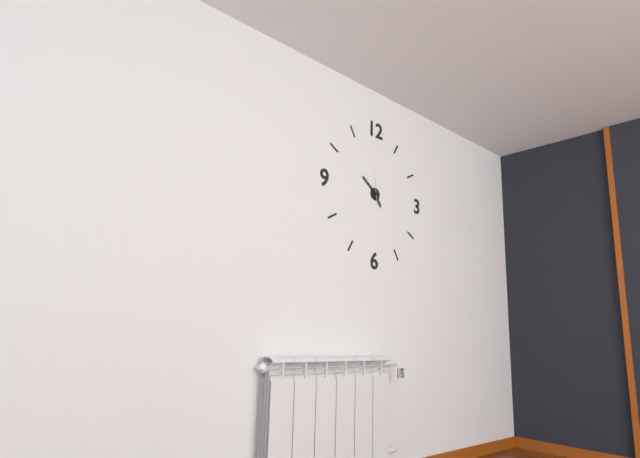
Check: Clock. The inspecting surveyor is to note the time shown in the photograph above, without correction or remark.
4:51
